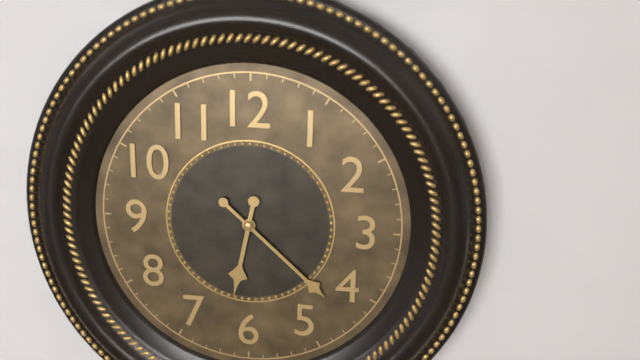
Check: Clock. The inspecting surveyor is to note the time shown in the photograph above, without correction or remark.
6:22
